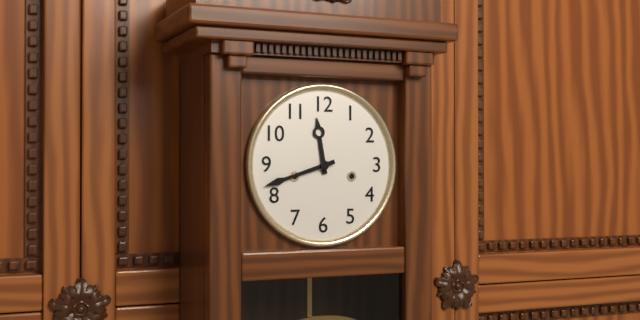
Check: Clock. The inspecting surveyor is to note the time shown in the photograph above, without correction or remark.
11:42
